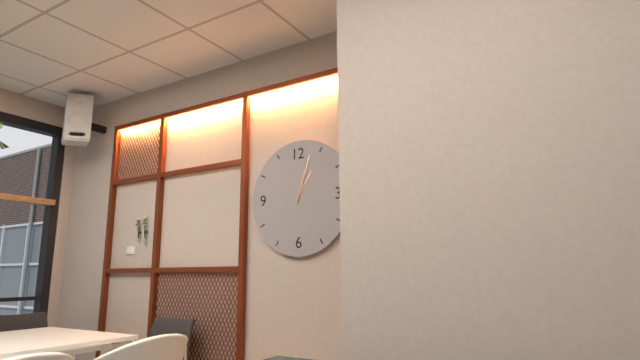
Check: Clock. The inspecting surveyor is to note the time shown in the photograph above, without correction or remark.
1:03
